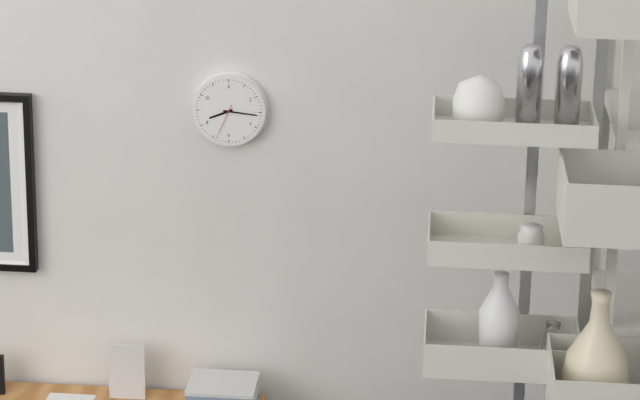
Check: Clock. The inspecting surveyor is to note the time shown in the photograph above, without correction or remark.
8:16
